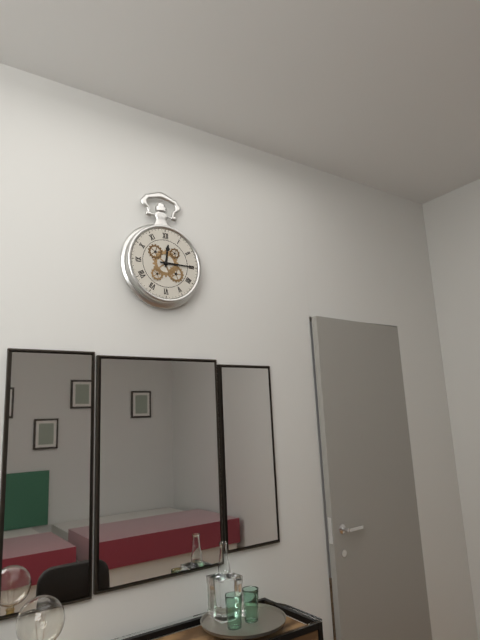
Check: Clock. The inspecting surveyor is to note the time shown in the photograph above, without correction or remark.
12:15
